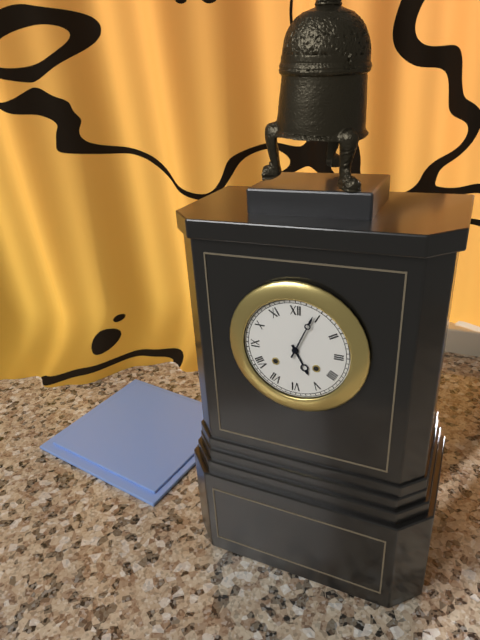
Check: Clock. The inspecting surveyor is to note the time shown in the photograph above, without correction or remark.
5:04
